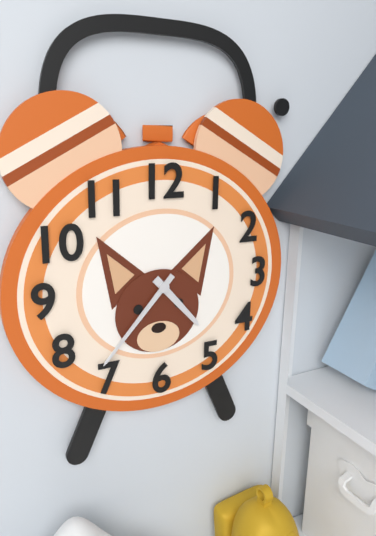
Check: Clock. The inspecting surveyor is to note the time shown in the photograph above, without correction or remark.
4:37
